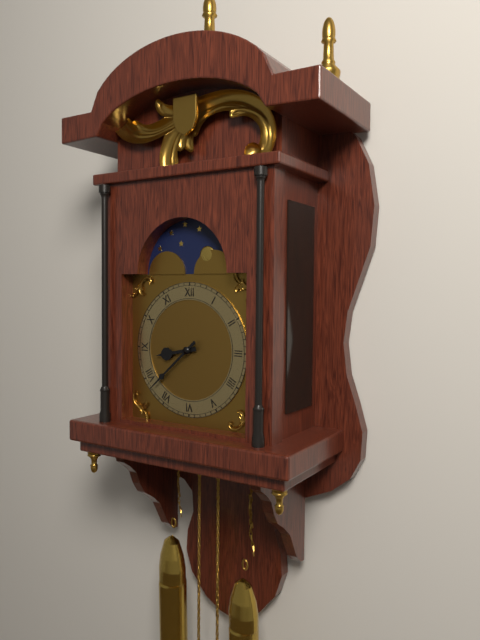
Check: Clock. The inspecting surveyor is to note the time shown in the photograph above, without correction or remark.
8:38
